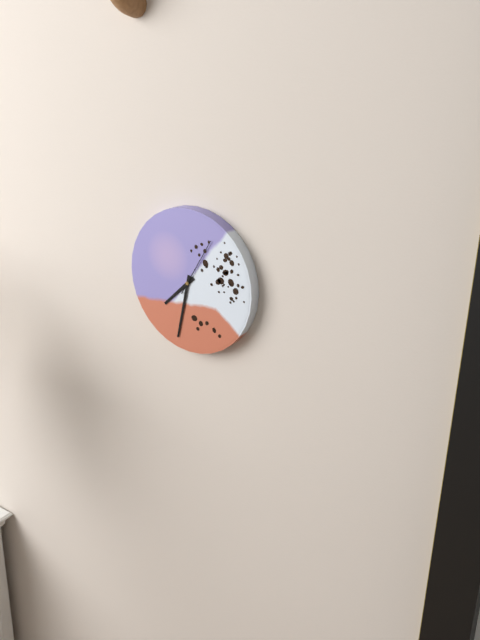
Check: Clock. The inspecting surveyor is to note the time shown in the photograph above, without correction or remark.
7:32:05
